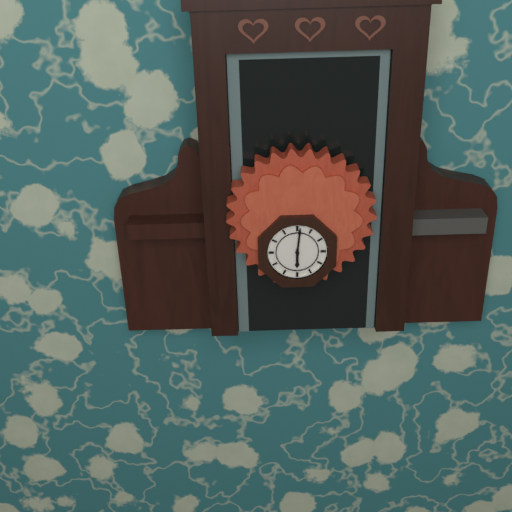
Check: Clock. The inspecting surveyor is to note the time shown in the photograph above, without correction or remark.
6:01
